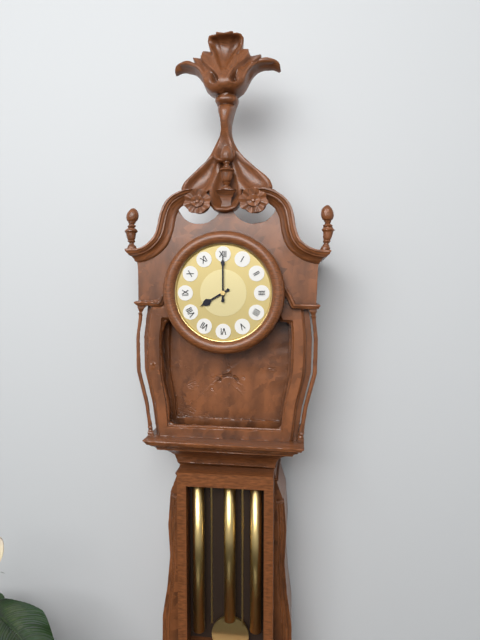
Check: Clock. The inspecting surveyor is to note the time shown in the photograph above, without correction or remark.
8:00
